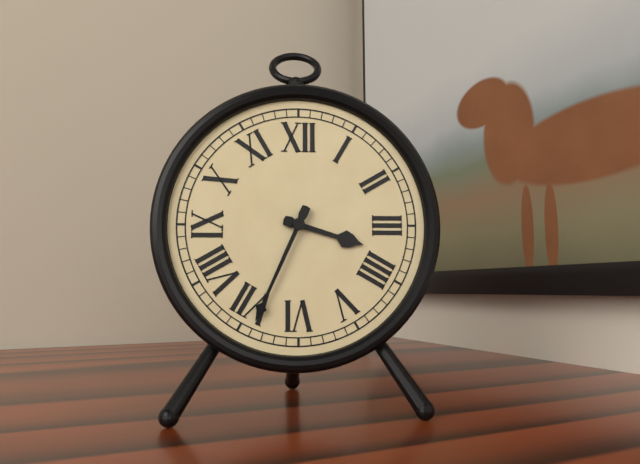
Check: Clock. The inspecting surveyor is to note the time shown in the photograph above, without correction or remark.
3:34
